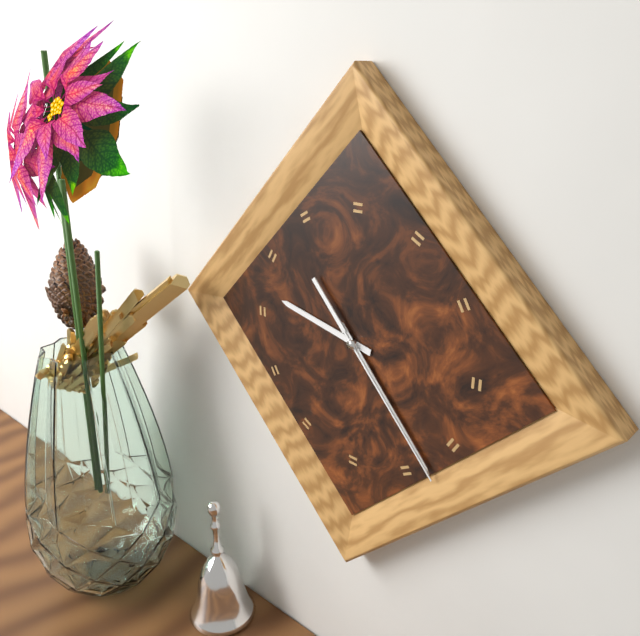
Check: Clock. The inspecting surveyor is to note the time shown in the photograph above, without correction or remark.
9:23:23
